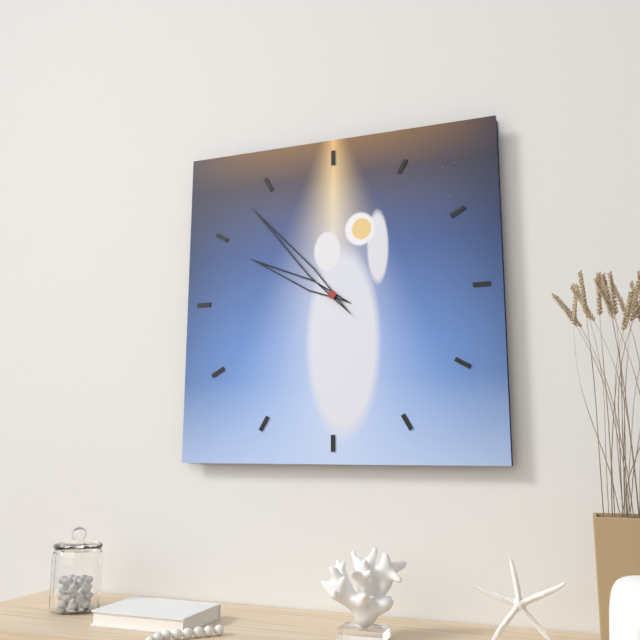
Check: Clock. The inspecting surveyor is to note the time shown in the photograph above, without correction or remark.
9:53
